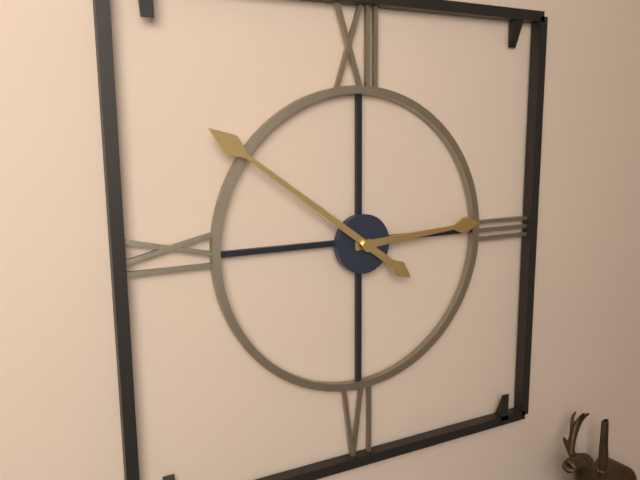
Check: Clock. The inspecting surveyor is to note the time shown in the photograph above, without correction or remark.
2:51
